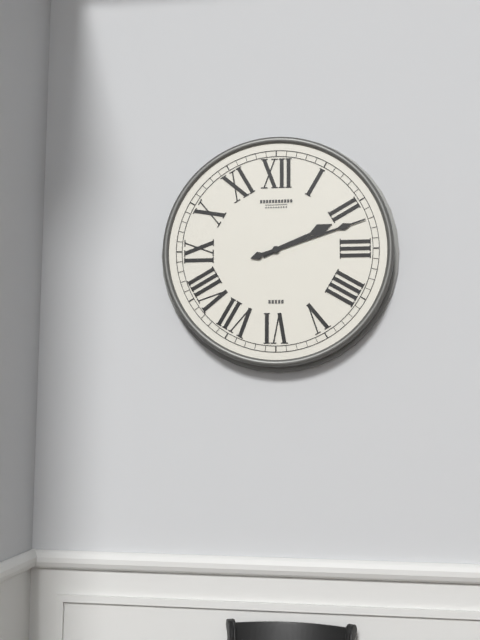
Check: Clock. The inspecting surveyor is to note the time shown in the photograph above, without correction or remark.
2:12
